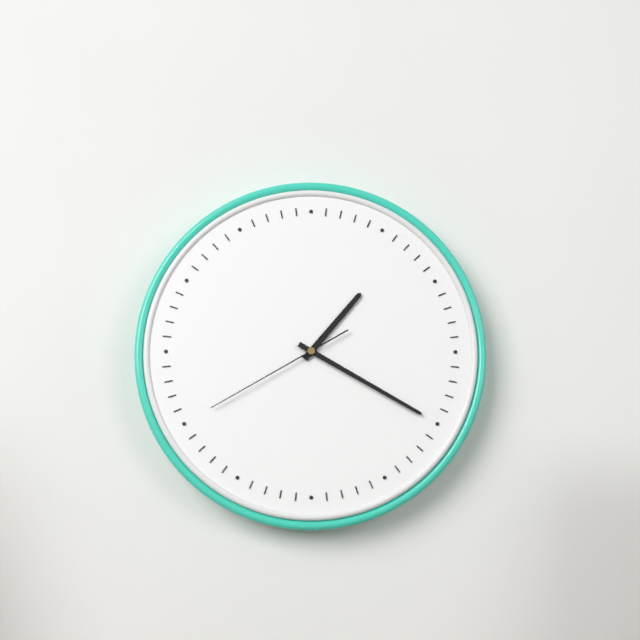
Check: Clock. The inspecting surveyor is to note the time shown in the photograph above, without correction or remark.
1:20:40
